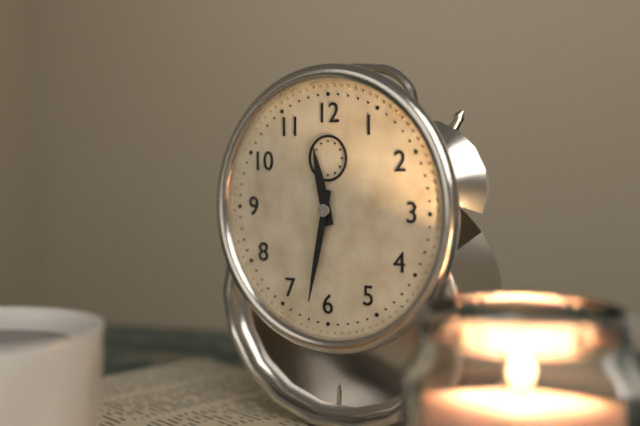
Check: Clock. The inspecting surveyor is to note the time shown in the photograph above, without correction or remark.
11:32
